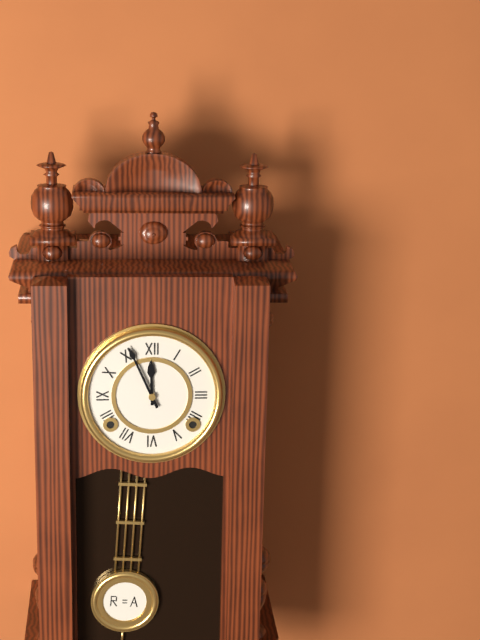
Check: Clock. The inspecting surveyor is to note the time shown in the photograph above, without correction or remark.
11:56
